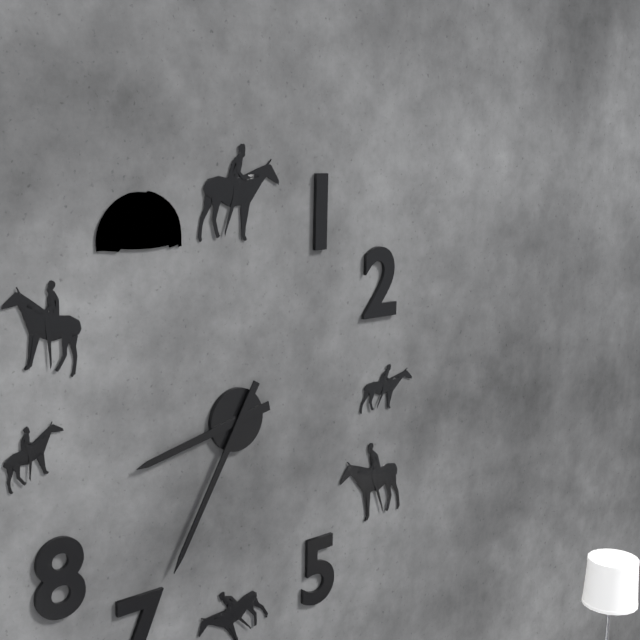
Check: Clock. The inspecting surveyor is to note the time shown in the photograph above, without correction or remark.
8:35
